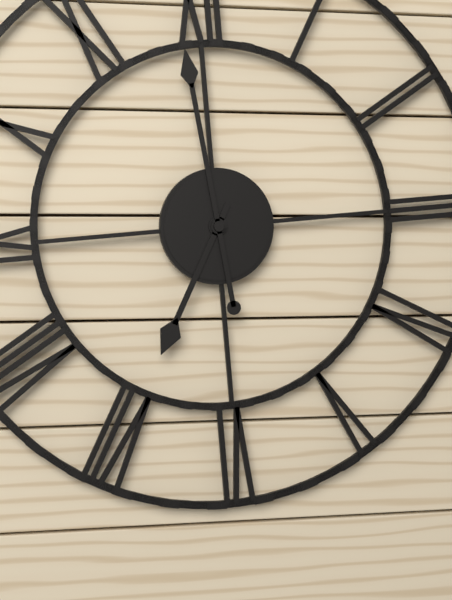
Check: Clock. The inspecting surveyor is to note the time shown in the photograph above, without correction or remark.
6:59
